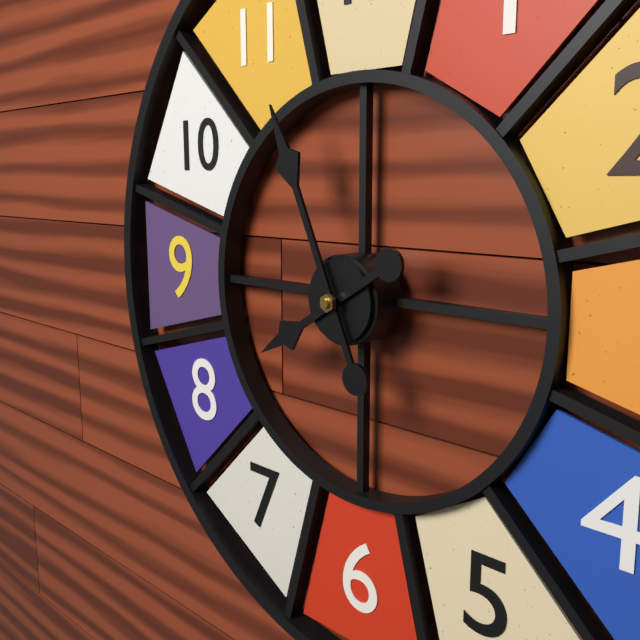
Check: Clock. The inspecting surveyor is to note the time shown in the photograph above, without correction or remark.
7:56
